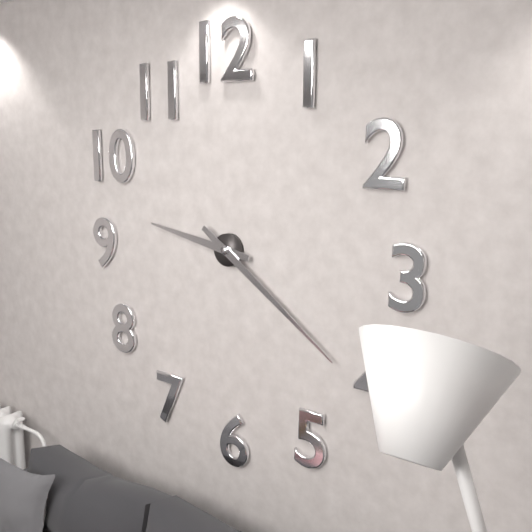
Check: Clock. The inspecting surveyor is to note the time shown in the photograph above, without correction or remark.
9:21
